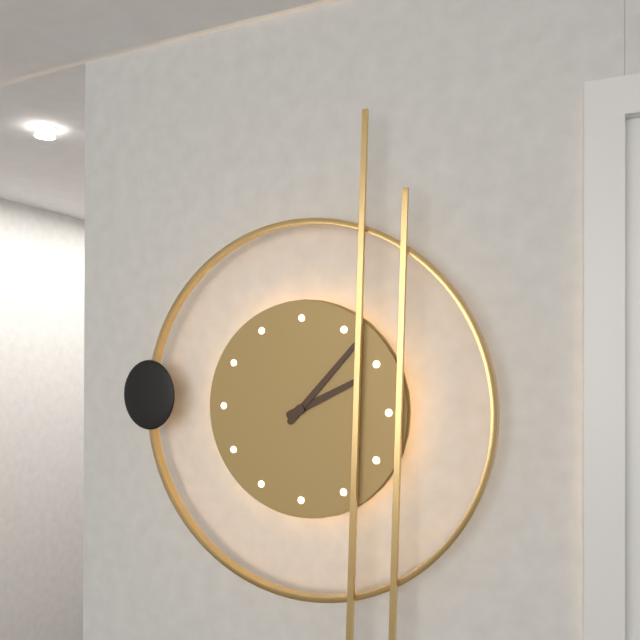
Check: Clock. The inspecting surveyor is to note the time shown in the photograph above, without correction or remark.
2:07
